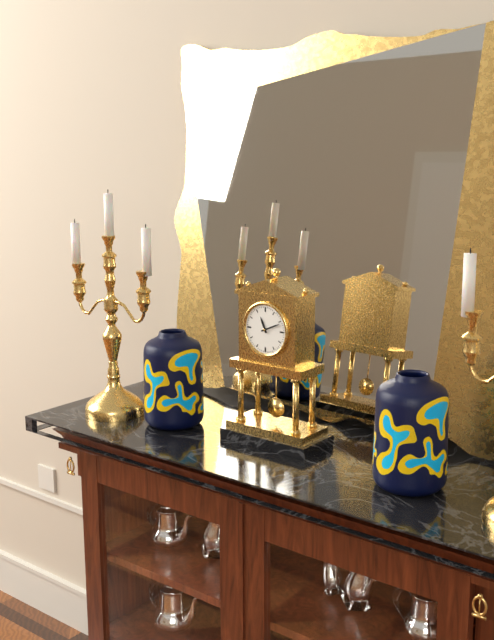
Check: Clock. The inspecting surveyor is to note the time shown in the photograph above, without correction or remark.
11:11
